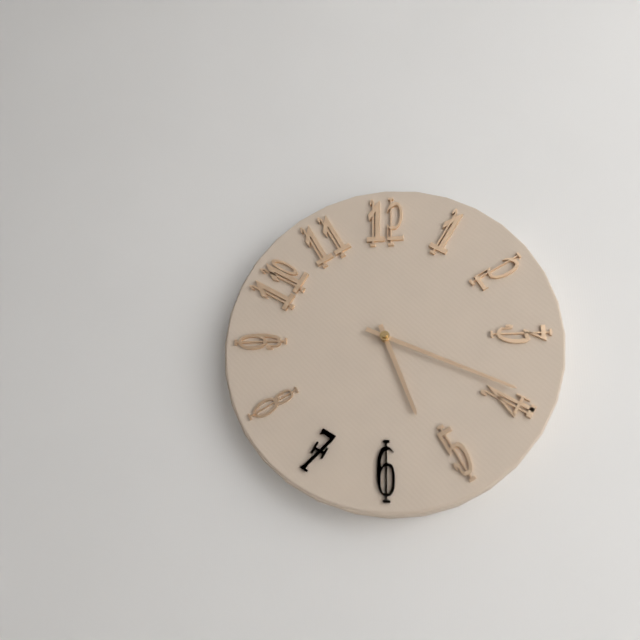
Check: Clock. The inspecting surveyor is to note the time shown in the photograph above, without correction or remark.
5:19
